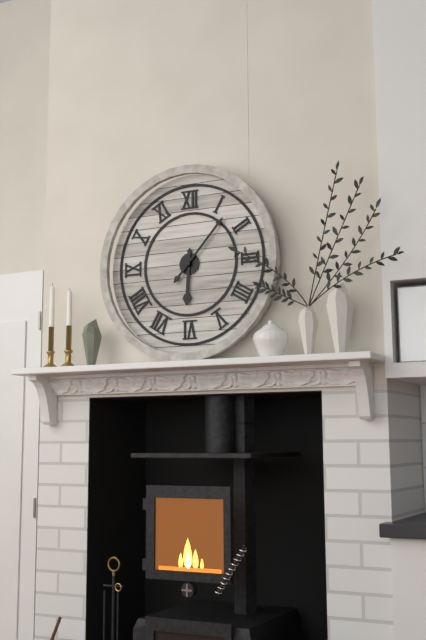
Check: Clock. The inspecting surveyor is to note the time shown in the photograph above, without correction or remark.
6:07
